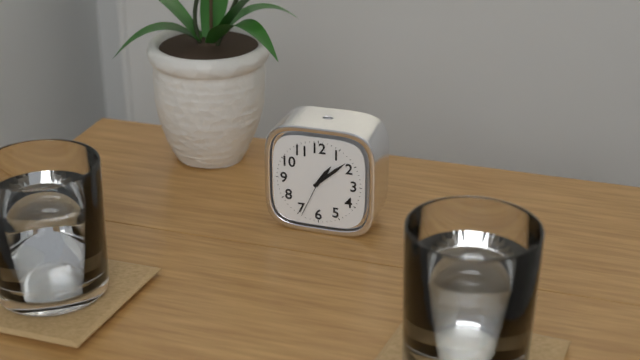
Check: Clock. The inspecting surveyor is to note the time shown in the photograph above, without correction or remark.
1:08
